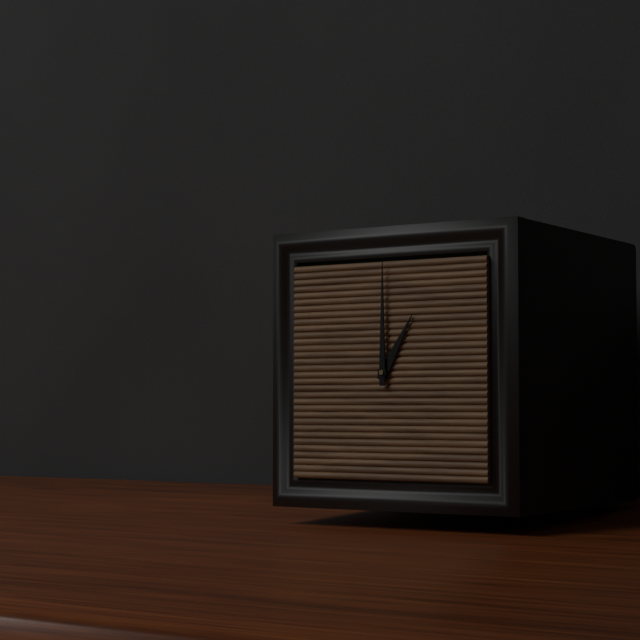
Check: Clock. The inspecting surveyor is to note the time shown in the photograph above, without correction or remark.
1:00
